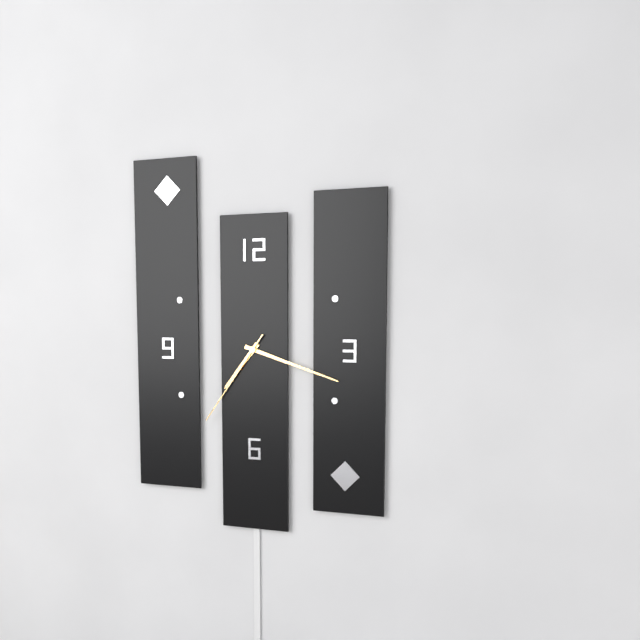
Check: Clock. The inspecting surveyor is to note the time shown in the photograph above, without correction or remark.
7:18:36
